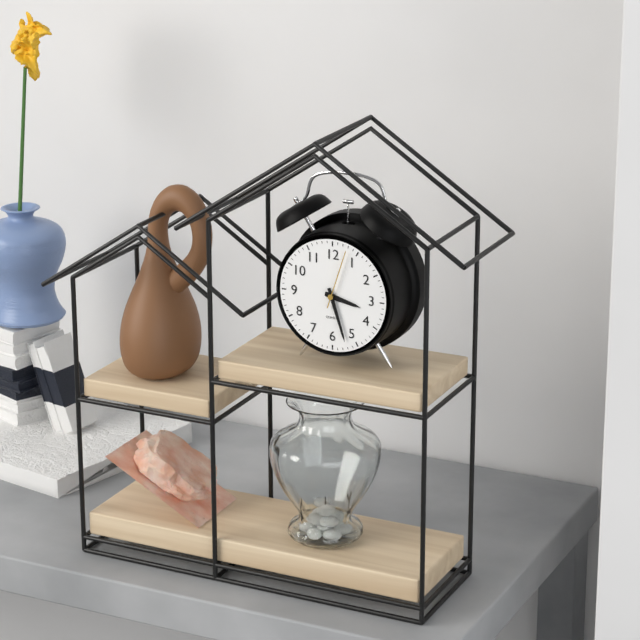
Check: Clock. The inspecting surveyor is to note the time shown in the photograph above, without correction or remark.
3:27:03
